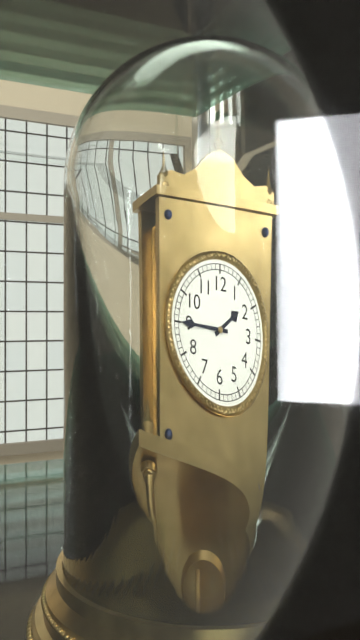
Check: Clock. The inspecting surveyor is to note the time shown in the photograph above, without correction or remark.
1:45
